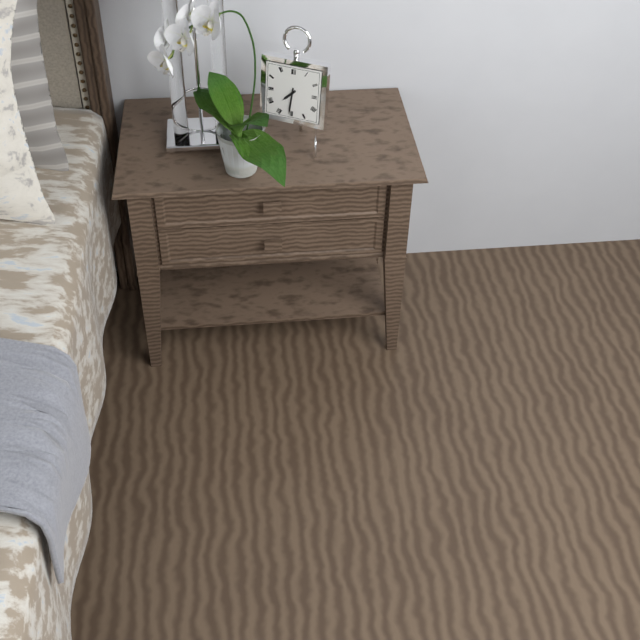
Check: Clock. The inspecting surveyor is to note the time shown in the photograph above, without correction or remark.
7:31
